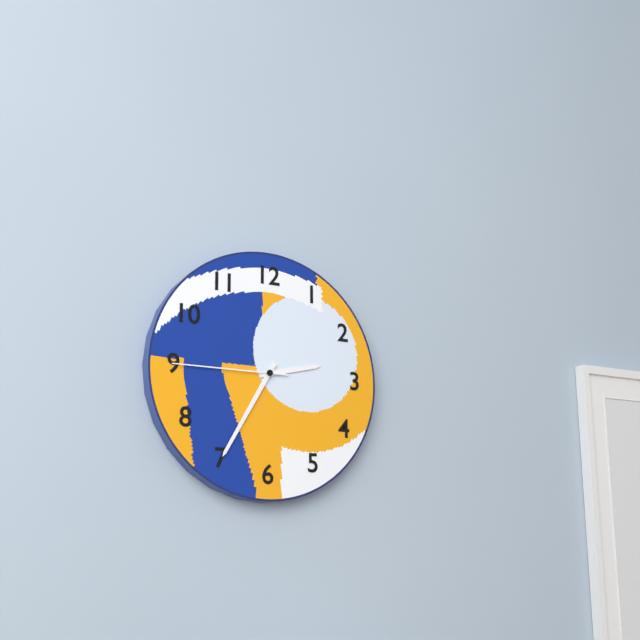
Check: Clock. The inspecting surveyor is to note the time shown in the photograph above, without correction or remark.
2:35:45
